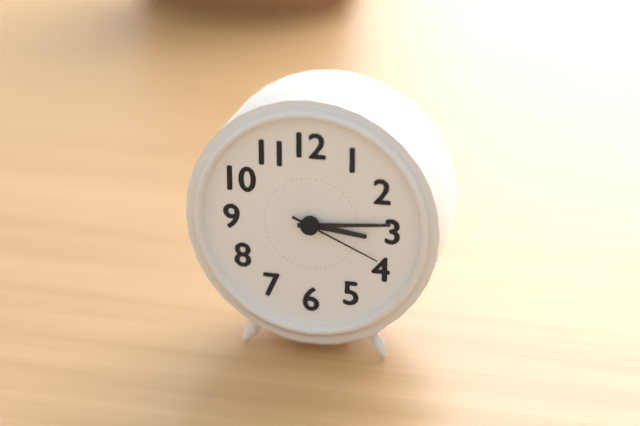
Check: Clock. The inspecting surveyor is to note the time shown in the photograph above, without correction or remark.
3:14:19
